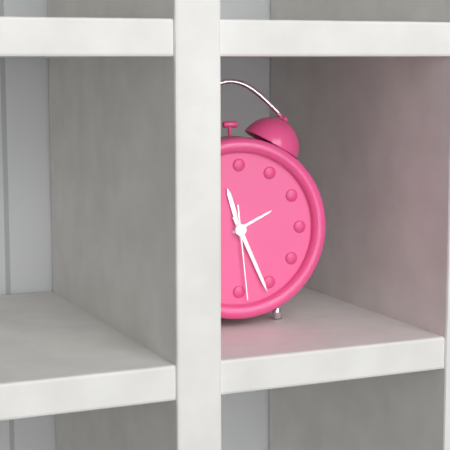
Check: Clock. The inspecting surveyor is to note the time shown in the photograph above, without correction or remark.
11:26:29
